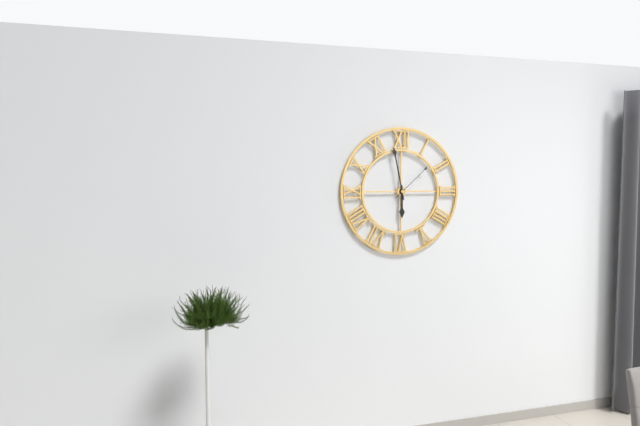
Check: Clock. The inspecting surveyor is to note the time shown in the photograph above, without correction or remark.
5:58
